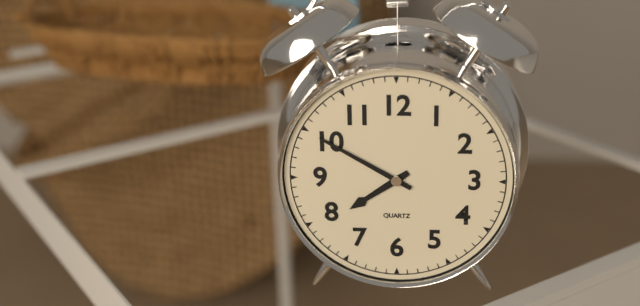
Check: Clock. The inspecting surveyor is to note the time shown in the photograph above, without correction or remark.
7:50
